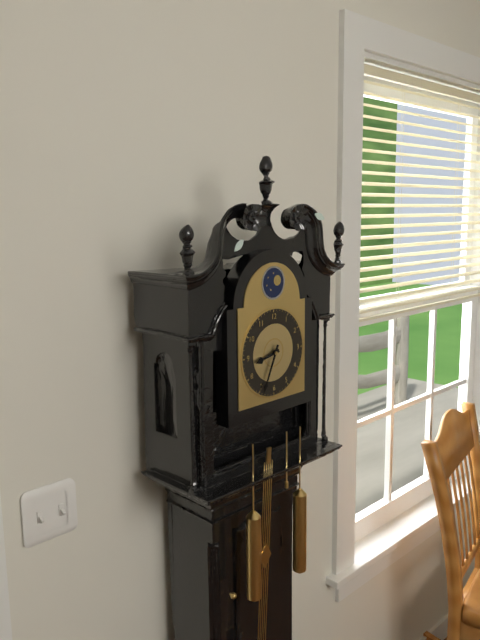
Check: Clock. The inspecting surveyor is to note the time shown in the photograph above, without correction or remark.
8:34
